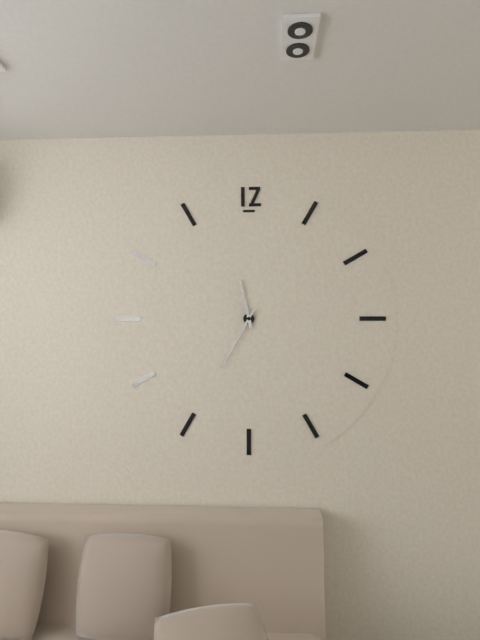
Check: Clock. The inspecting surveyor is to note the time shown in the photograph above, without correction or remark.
11:35
